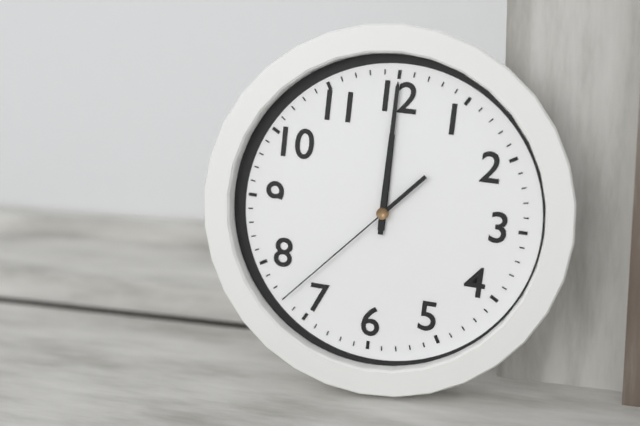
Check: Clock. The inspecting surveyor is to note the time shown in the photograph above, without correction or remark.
12:00:37
